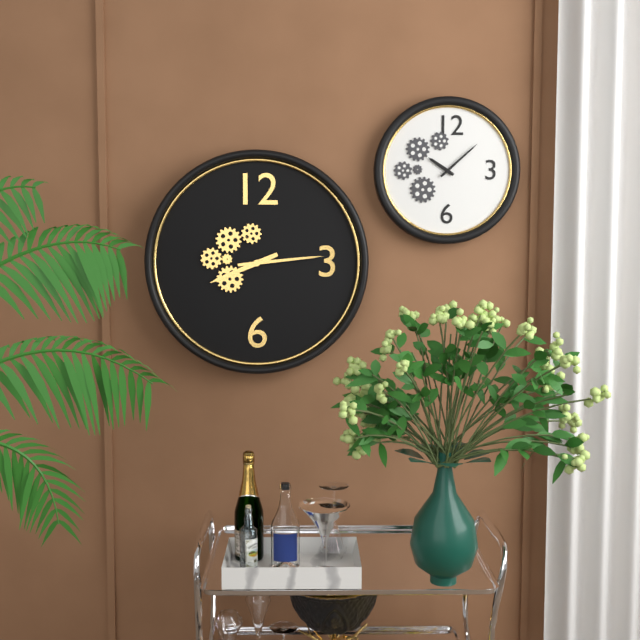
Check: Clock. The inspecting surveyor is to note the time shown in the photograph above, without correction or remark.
8:14
